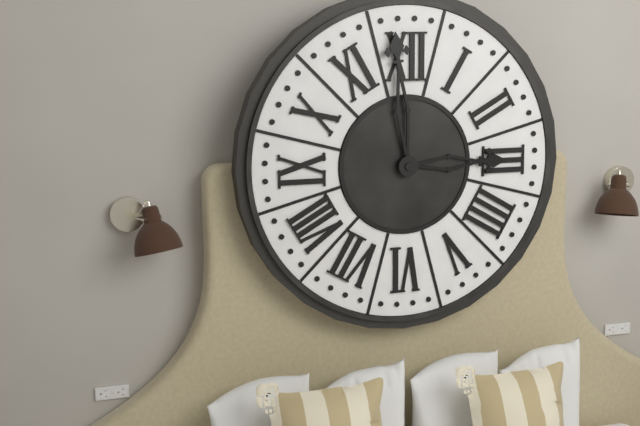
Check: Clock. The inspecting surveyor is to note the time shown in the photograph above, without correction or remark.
2:59
